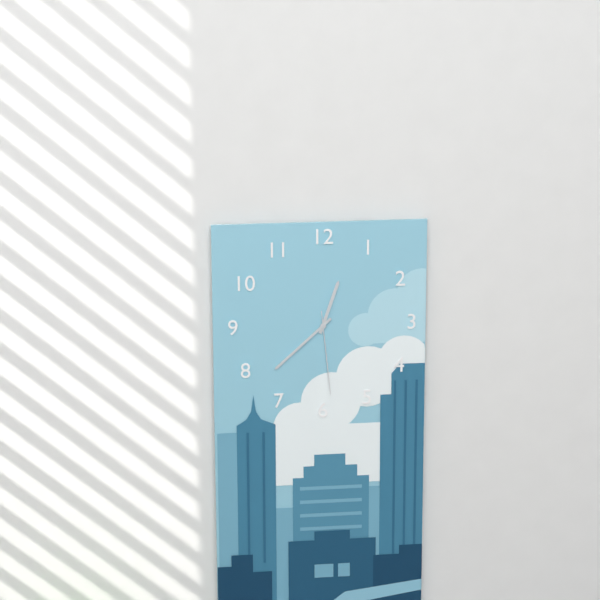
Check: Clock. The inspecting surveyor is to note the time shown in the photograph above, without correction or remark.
12:38:29
